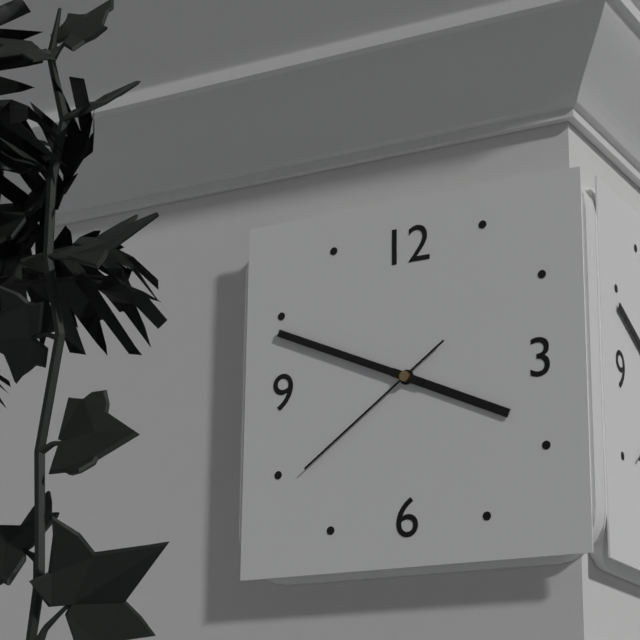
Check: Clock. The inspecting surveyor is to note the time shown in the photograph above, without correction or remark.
3:49:39
